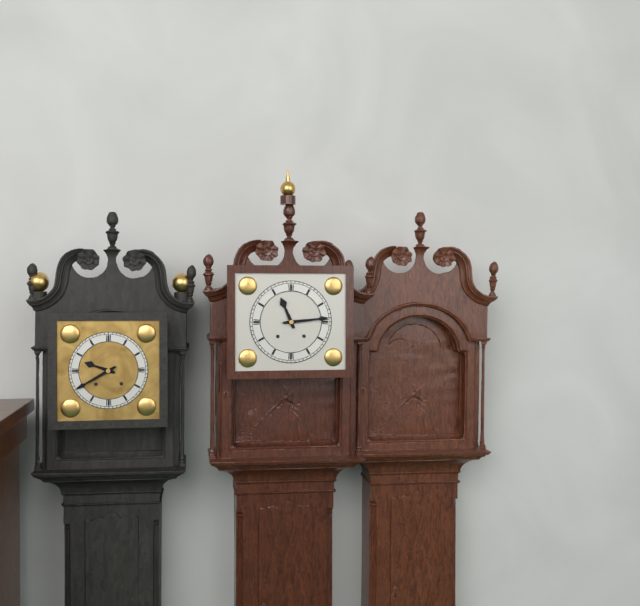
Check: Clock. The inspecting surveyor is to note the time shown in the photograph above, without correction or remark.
11:14
